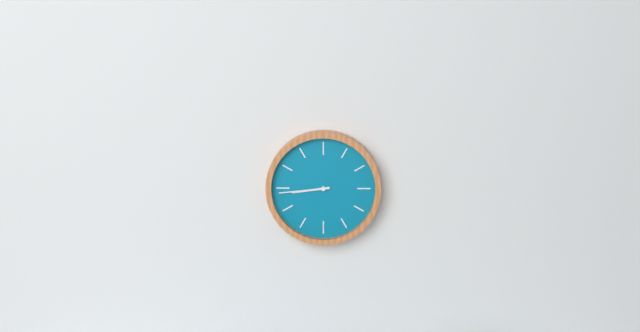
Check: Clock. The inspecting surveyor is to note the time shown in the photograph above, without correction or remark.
8:44
